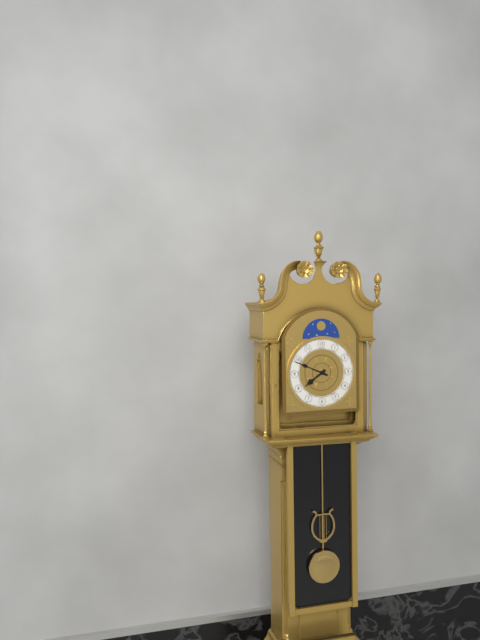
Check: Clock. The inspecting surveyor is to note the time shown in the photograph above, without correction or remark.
7:49
